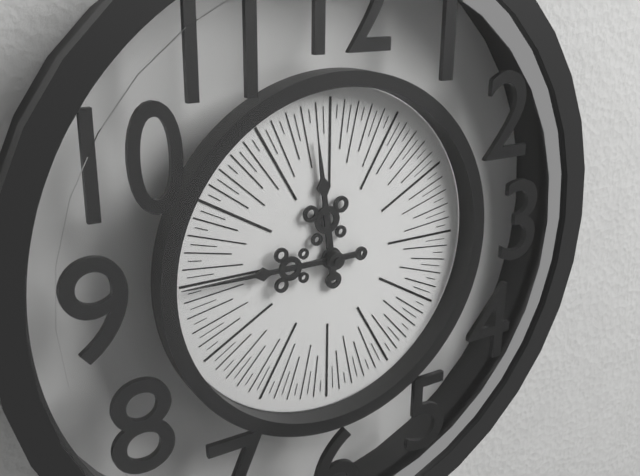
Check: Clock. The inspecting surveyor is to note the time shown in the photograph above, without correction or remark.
11:45
